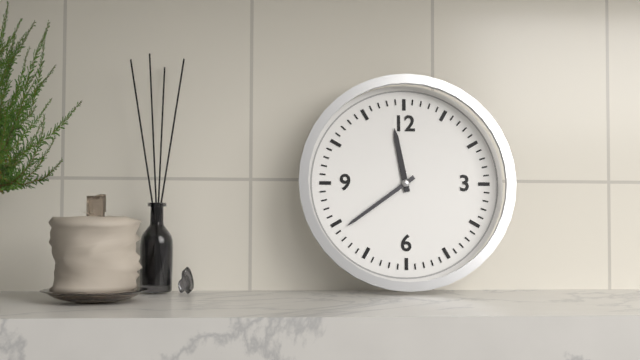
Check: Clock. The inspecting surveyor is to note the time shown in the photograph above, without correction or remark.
11:39
